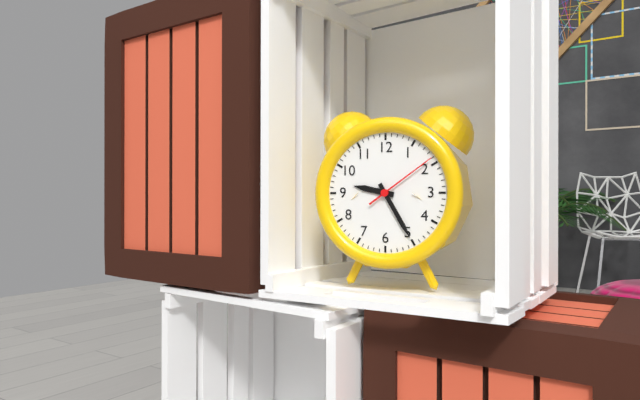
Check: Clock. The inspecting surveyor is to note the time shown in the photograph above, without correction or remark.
9:25:09
